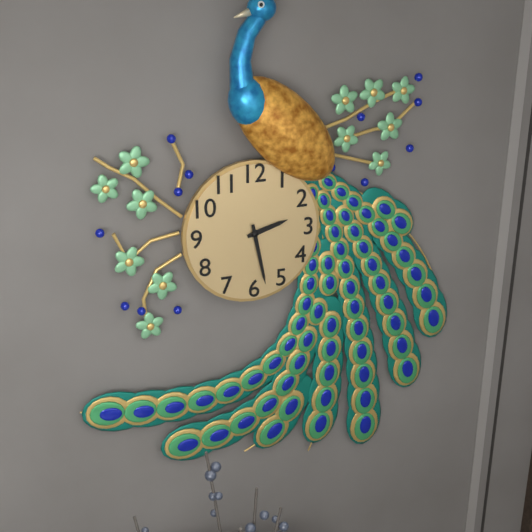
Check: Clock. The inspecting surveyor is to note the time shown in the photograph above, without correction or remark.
2:28
